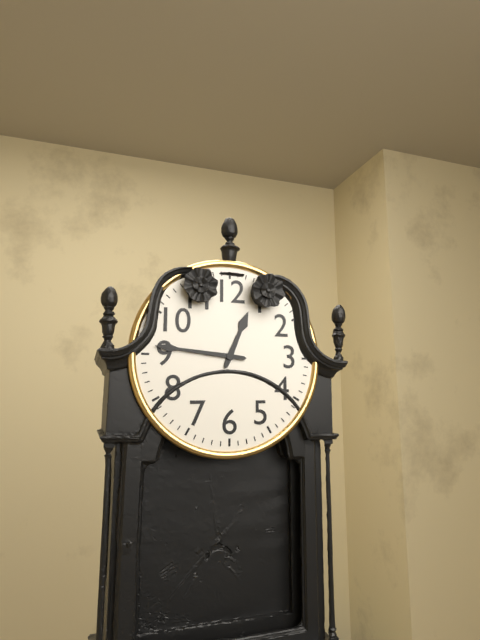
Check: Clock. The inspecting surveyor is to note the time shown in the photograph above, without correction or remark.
12:46
